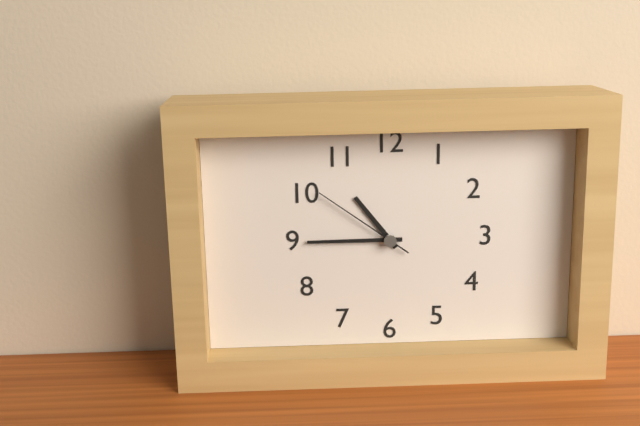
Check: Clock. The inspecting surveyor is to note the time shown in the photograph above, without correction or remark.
10:45:51
